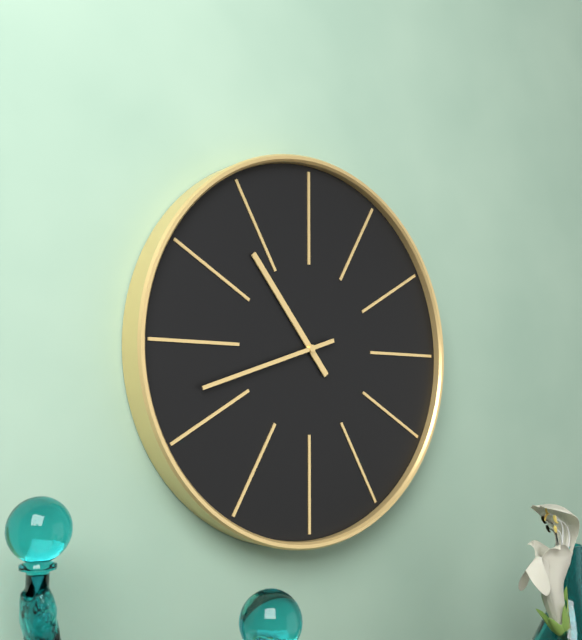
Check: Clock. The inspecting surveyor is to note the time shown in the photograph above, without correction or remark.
10:42
